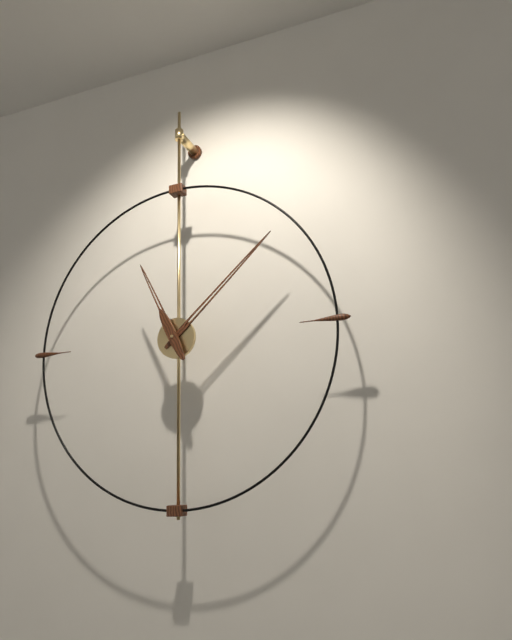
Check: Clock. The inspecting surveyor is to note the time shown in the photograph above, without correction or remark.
11:08
